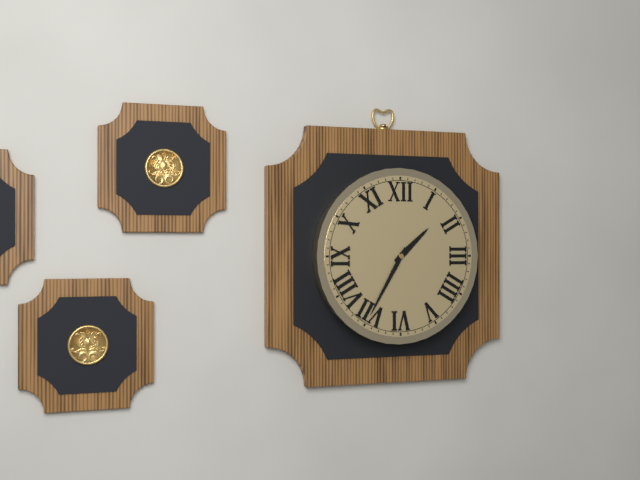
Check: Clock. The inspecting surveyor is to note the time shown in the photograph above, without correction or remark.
1:35
